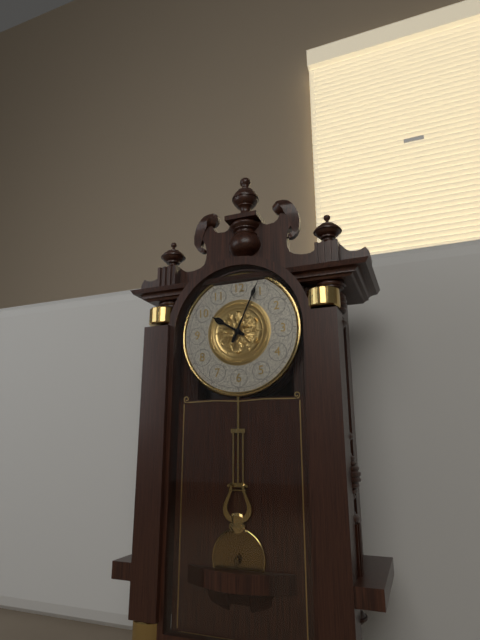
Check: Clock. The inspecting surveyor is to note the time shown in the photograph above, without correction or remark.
10:04
